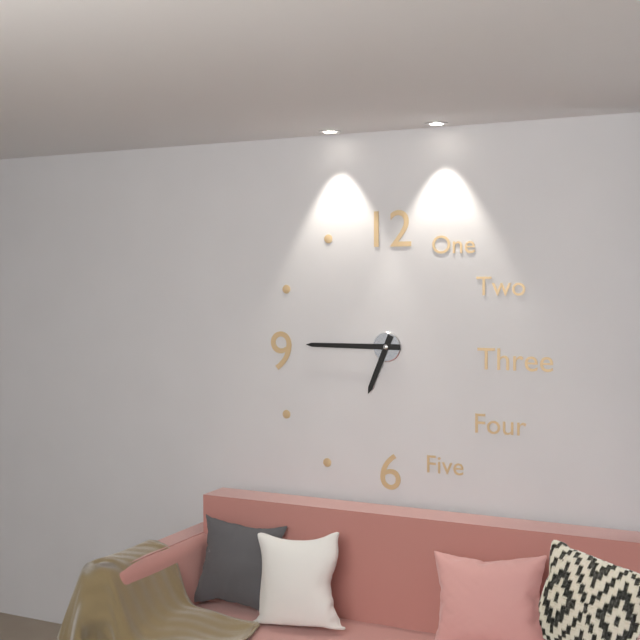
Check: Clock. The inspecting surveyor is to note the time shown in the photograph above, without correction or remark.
6:45
